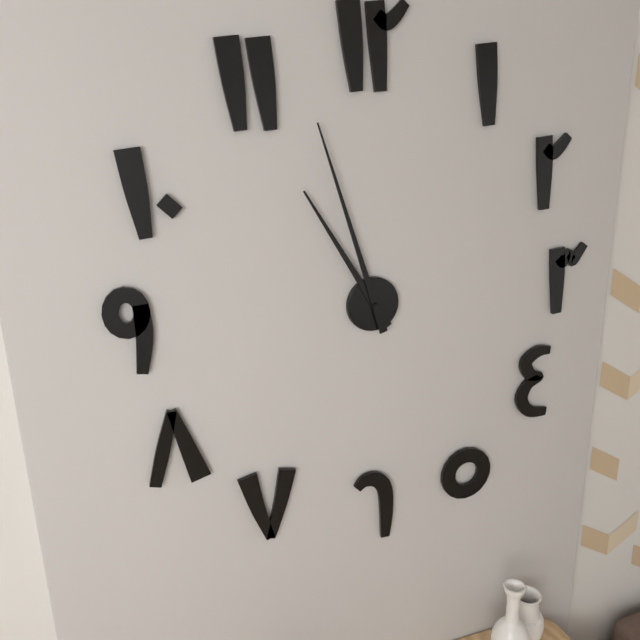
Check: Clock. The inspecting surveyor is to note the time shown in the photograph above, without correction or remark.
10:57
